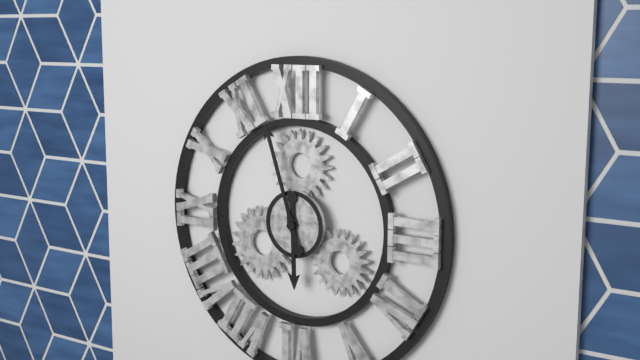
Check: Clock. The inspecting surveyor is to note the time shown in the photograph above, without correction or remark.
5:57
